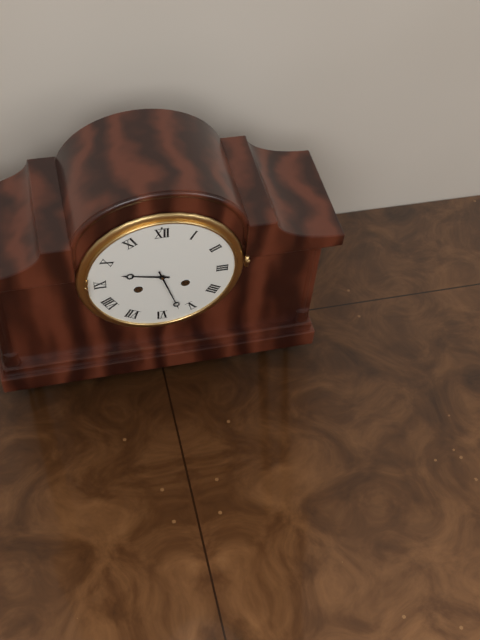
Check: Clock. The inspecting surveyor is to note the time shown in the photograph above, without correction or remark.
9:27
